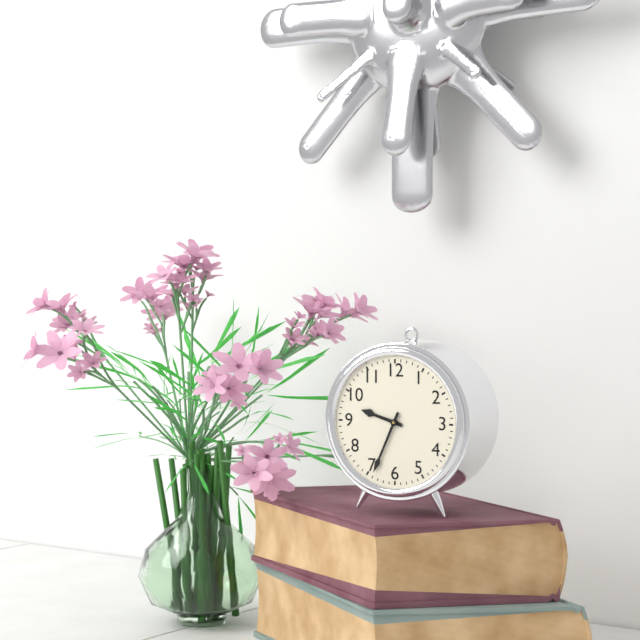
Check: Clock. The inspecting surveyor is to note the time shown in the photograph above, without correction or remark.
9:34
